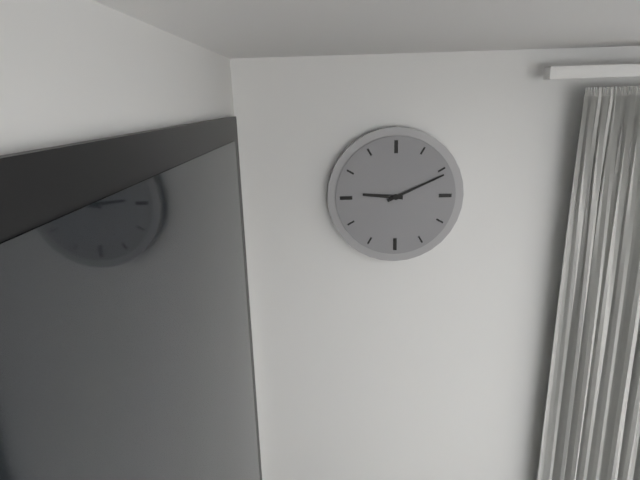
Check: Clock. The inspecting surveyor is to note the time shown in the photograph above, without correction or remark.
9:11
